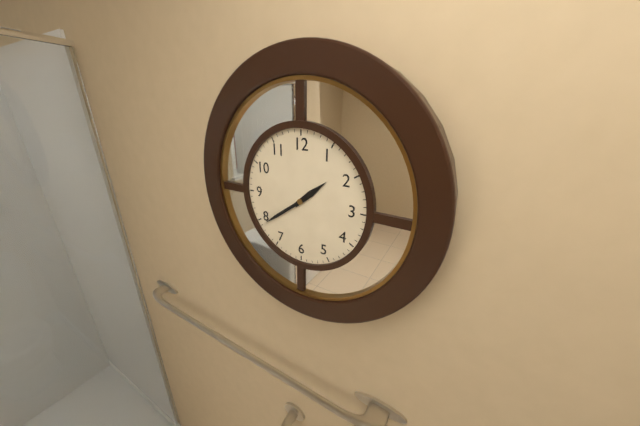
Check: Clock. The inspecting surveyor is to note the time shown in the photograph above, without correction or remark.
1:39
